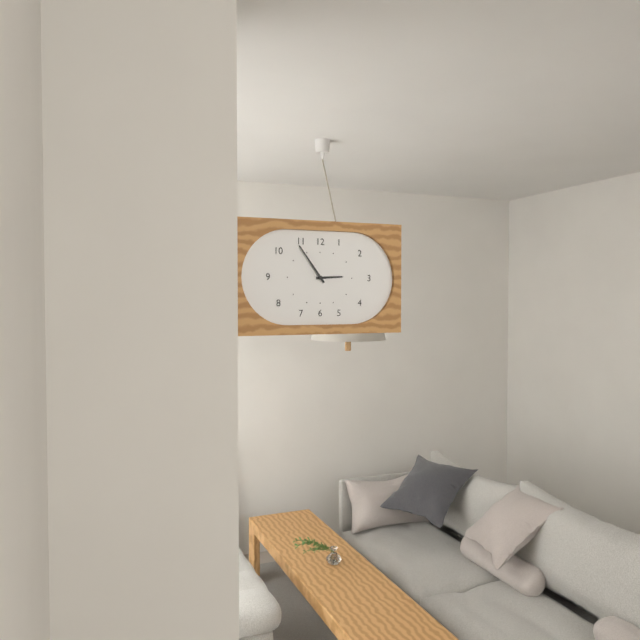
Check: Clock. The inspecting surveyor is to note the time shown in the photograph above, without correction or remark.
2:54
